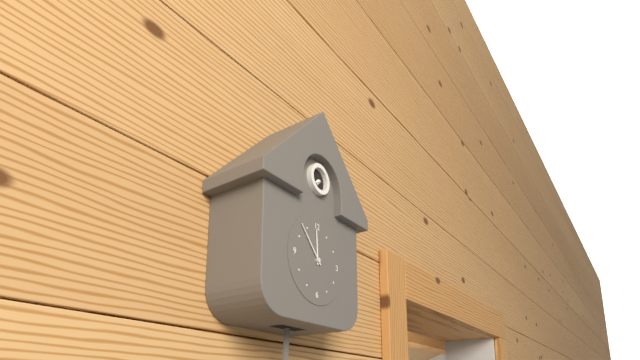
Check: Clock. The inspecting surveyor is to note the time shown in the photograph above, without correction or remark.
11:53
